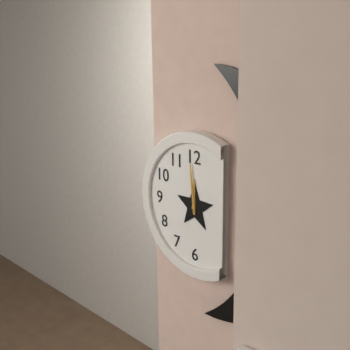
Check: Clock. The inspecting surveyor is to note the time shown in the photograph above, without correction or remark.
11:59
